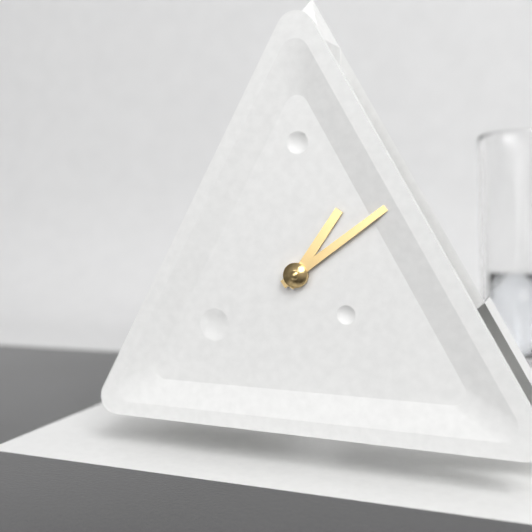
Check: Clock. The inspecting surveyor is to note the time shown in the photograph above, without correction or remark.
1:09
